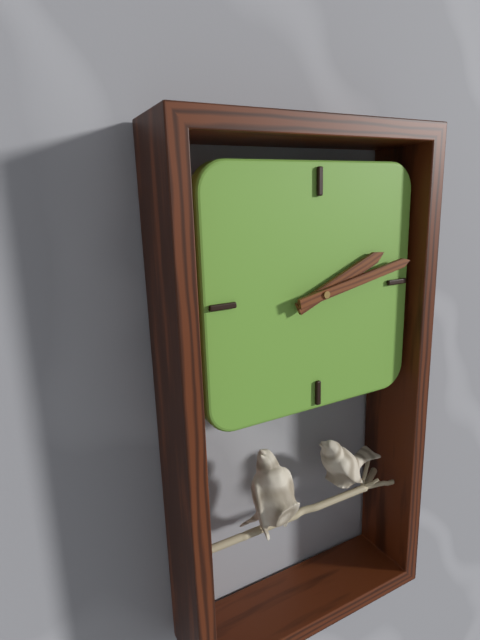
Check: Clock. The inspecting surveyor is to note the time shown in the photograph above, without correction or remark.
2:13
